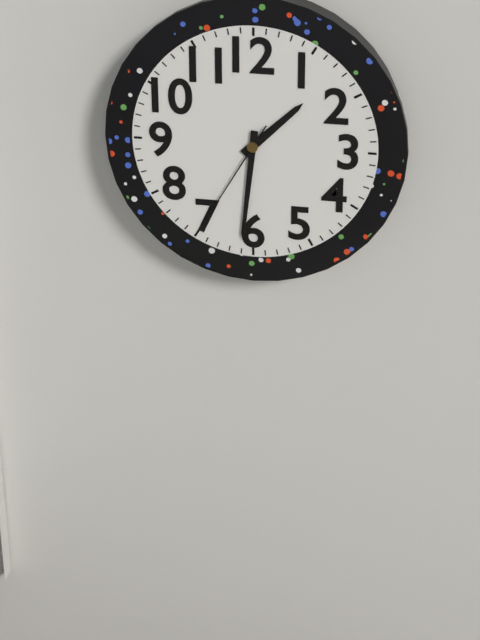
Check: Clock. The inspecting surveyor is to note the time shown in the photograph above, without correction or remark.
1:31:35
